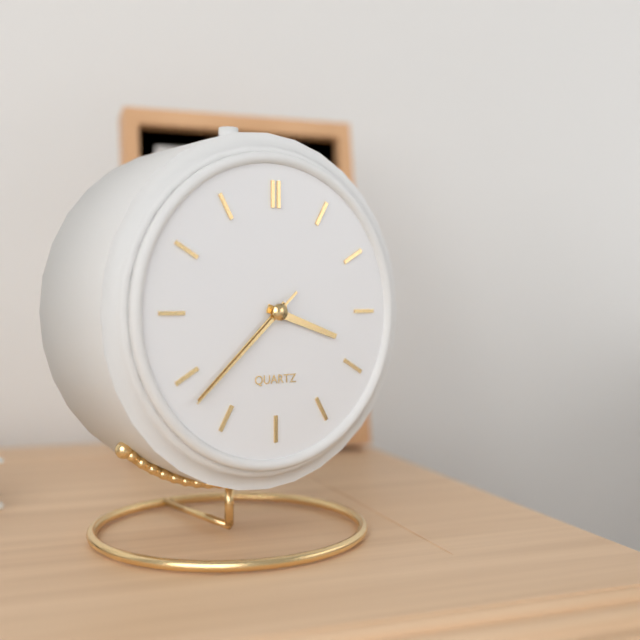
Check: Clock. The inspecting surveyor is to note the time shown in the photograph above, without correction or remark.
3:38:38
